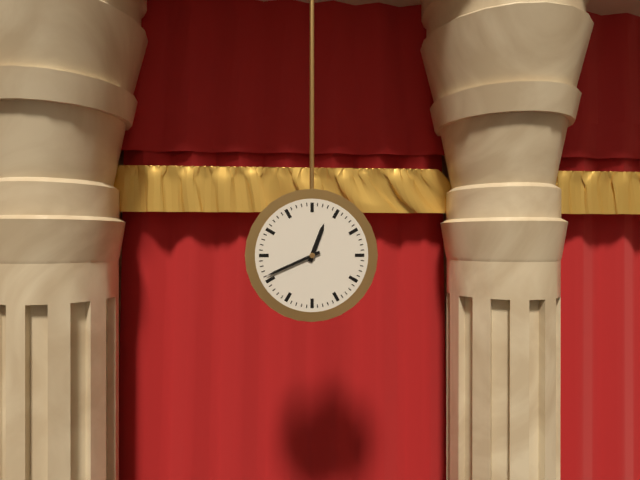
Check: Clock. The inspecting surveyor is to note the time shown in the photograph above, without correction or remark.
12:41
